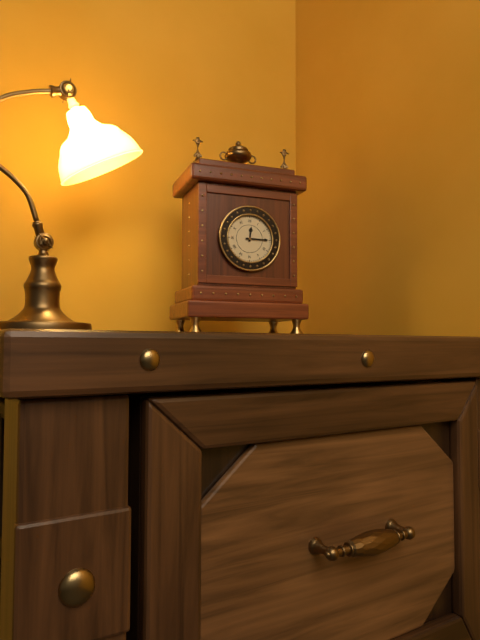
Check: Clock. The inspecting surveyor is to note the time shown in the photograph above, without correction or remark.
12:15
